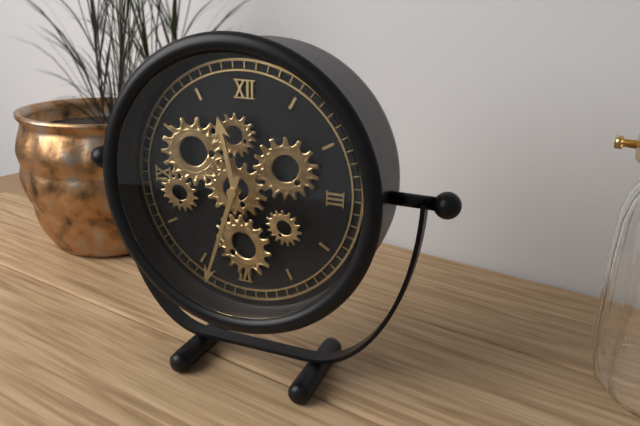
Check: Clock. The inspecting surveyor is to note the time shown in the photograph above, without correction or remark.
11:33
